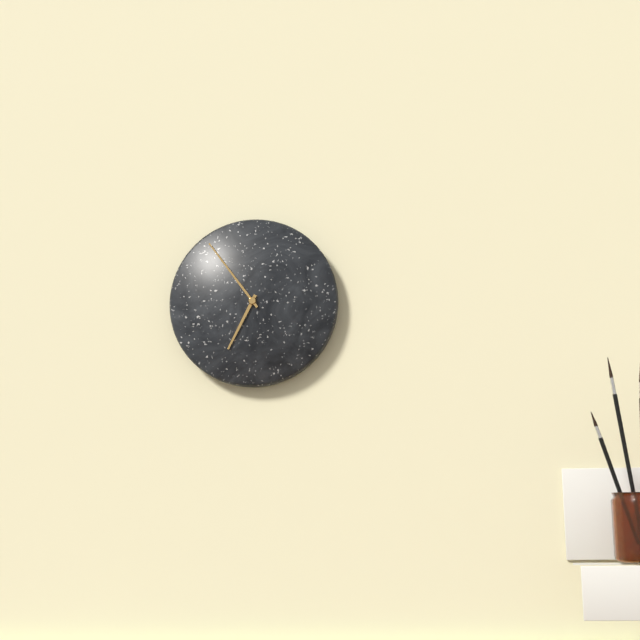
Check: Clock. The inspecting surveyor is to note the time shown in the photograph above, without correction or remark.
6:54
